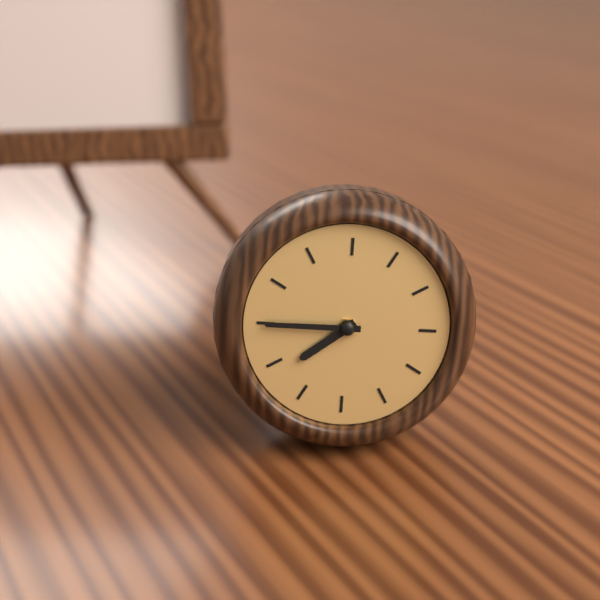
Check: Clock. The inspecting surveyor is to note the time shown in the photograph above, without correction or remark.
7:45
